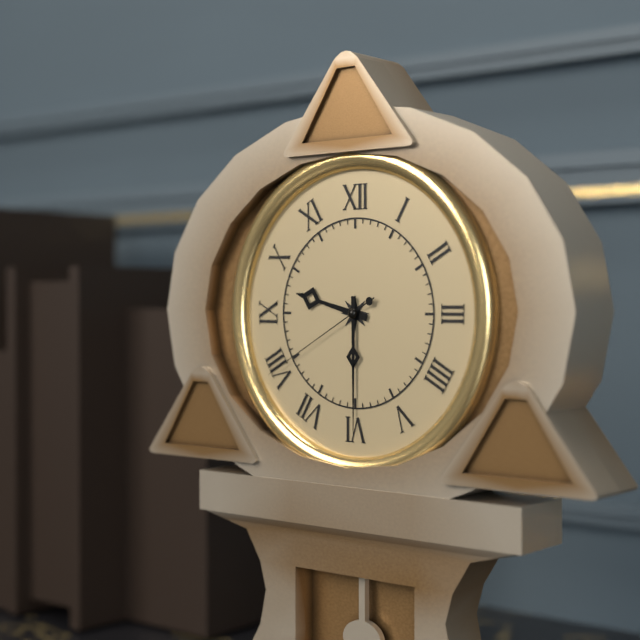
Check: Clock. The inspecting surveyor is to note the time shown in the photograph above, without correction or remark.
9:30:40
